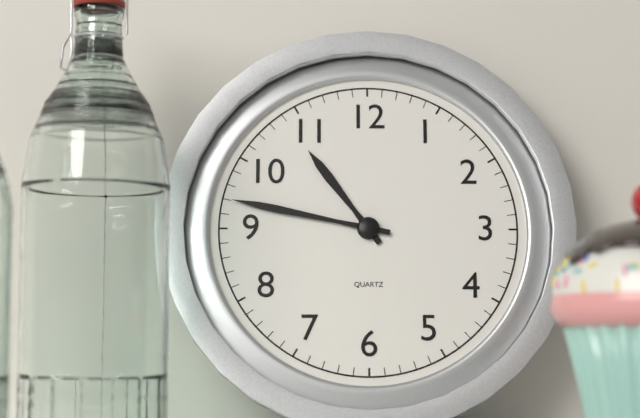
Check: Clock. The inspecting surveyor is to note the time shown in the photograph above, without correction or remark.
10:47
